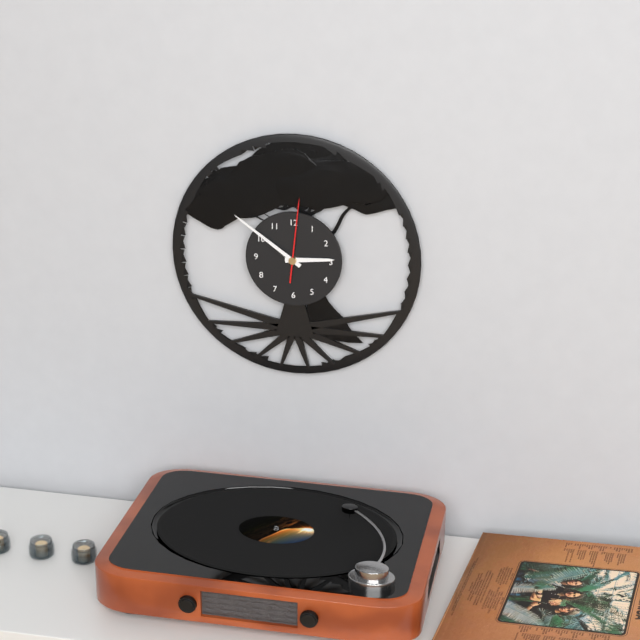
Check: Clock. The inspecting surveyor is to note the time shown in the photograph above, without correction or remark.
2:51:01
